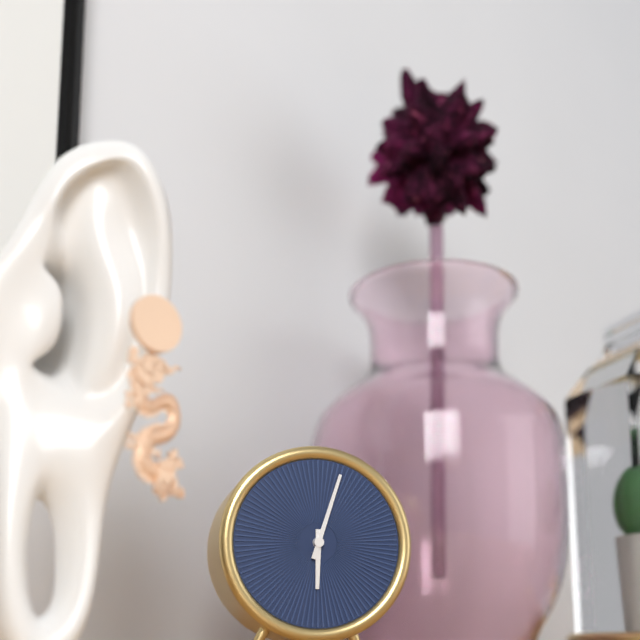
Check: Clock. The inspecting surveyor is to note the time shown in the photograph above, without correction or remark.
6:03
